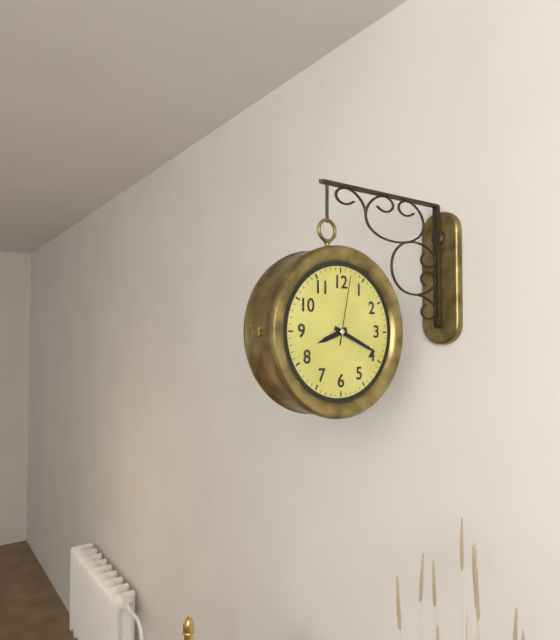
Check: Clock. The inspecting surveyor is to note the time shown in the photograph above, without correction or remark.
8:19:02
